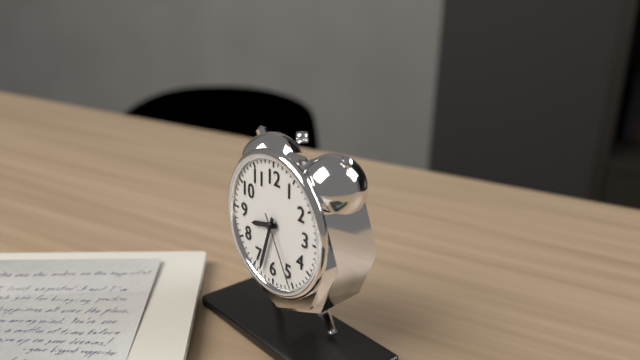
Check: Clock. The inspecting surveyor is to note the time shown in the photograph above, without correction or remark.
8:33:25
